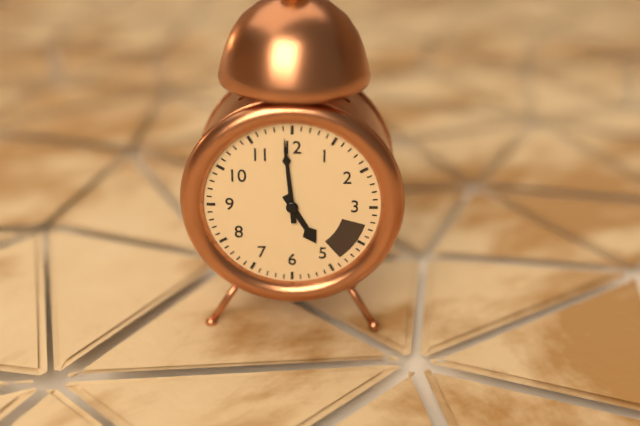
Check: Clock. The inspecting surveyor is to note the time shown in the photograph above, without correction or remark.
4:59
